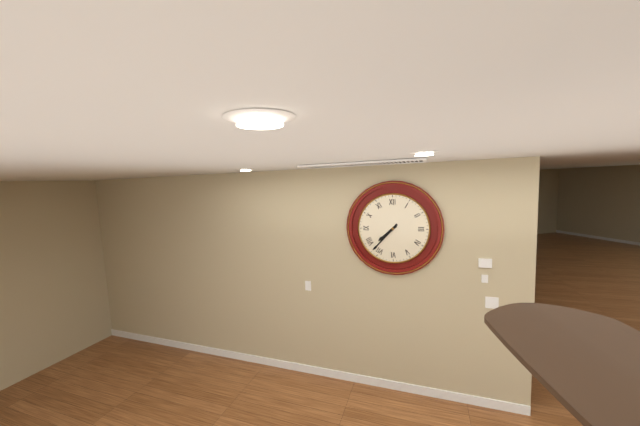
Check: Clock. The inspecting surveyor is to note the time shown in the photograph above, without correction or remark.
7:37
